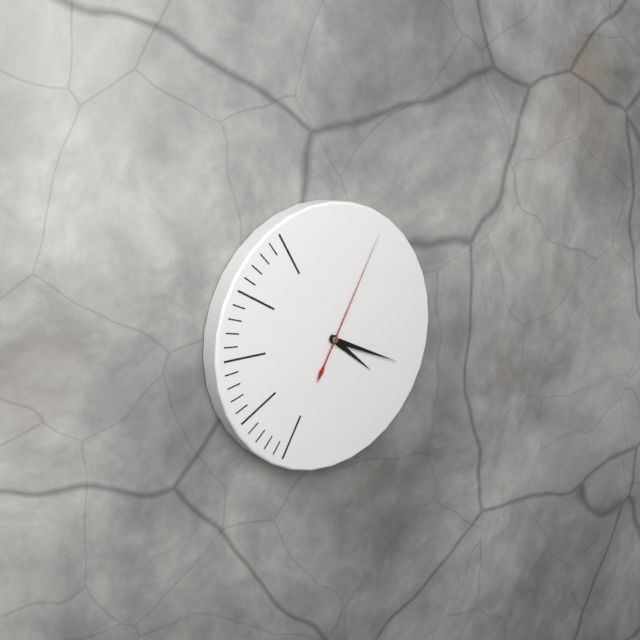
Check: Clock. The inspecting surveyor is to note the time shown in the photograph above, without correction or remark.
4:19:05
